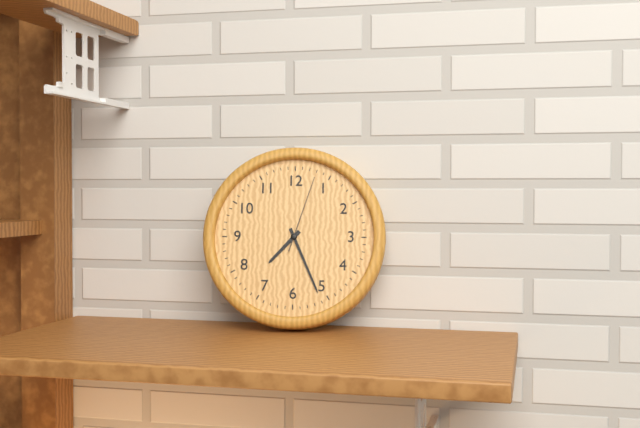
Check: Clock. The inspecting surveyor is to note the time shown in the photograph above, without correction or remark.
7:26:03
